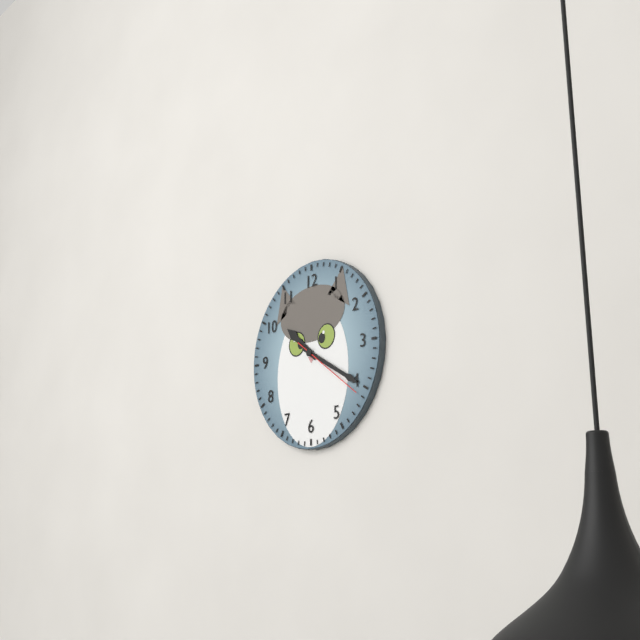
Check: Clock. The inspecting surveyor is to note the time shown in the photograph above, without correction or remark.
10:20:21
